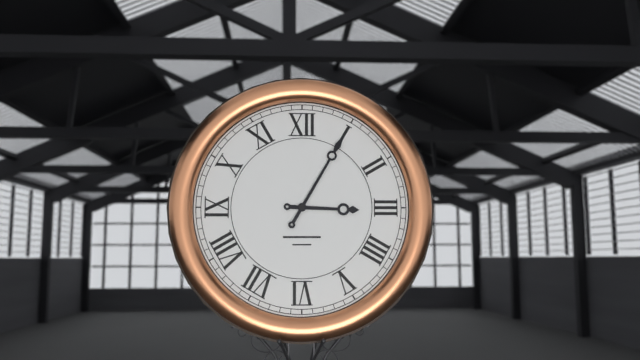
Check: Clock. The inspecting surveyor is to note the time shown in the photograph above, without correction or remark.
3:05
